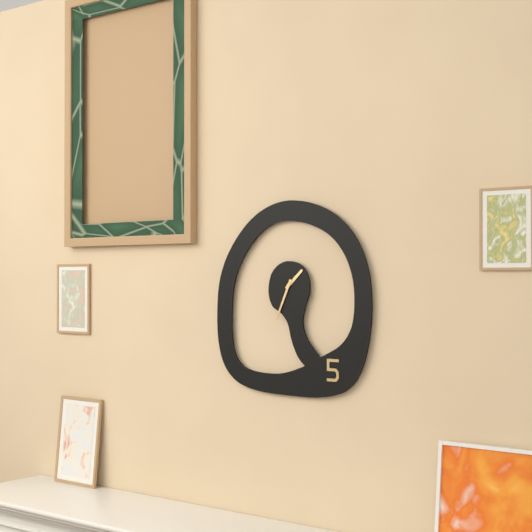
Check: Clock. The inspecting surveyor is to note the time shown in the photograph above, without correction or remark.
1:34
